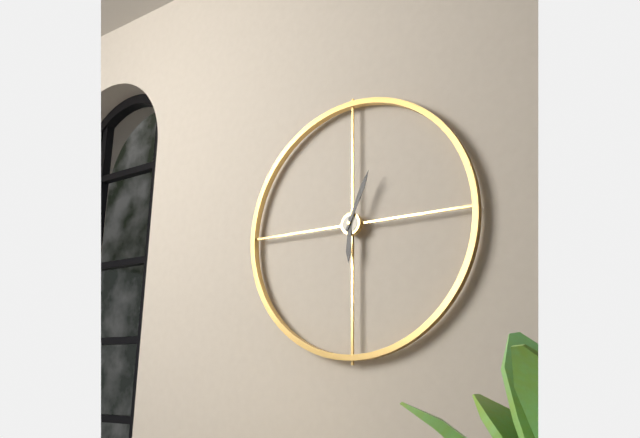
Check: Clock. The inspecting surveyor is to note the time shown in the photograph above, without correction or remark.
6:04
